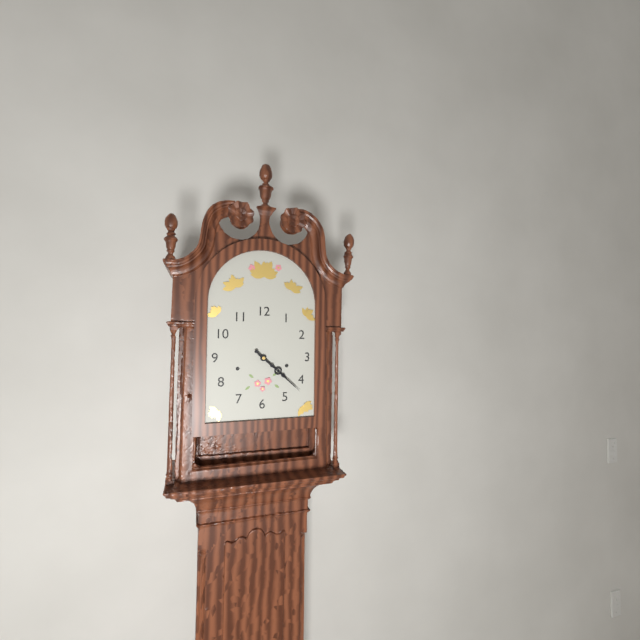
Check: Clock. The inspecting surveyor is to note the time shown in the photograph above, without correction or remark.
4:22
